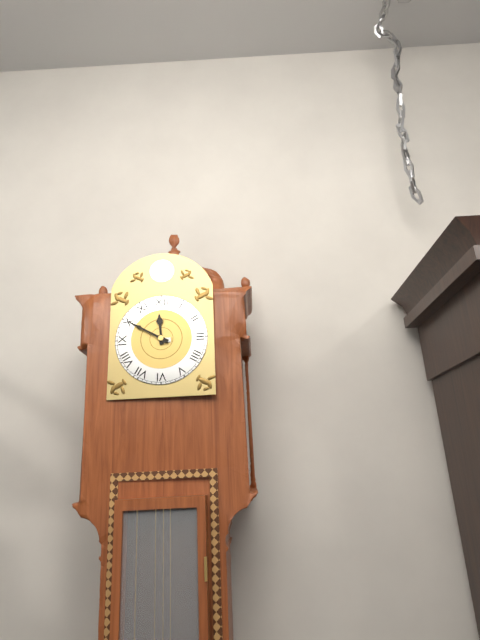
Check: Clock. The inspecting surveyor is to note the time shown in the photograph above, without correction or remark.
11:50
